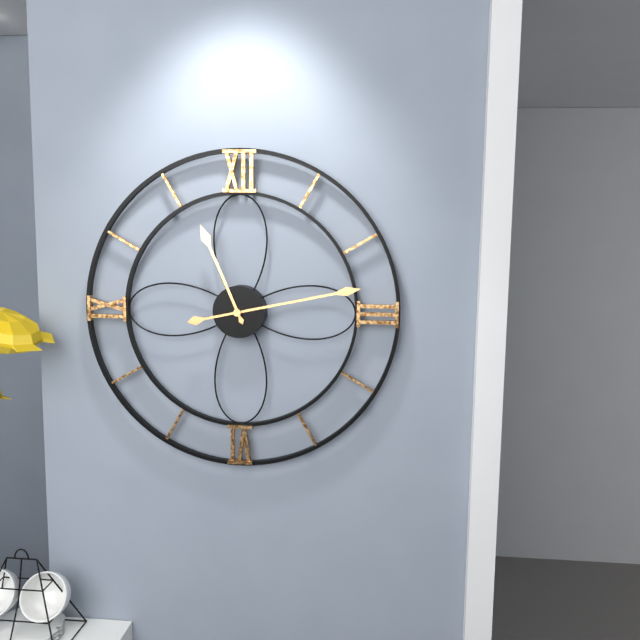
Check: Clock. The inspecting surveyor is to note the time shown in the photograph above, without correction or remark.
11:13
